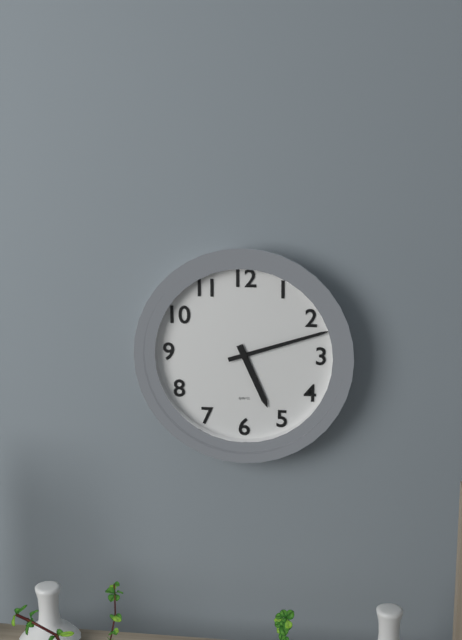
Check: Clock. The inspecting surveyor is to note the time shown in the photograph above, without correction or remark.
5:12
